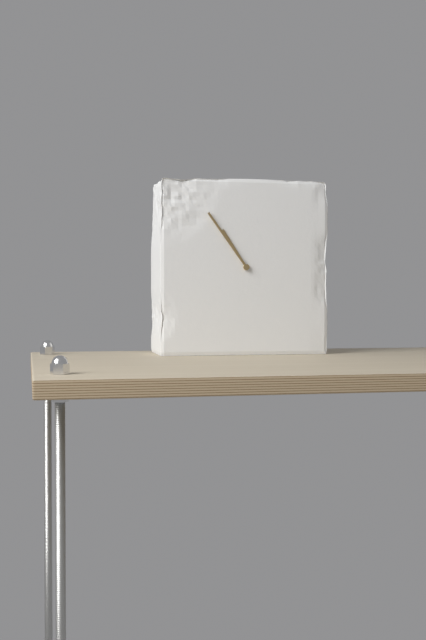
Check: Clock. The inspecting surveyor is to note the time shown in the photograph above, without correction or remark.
10:54
